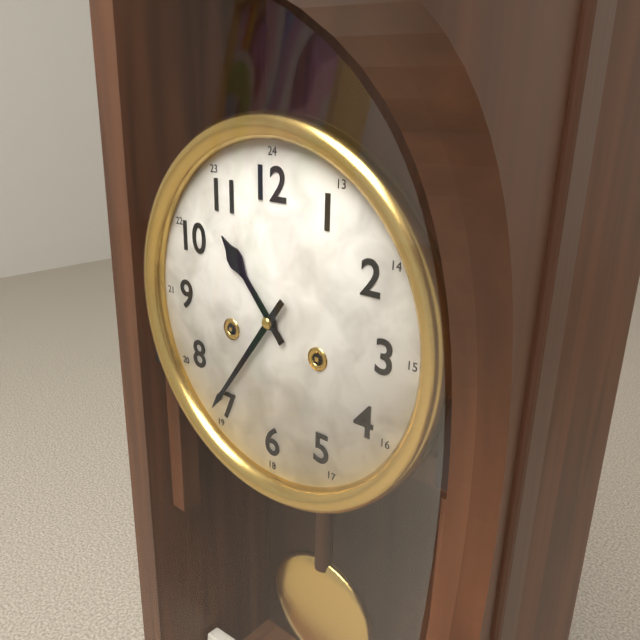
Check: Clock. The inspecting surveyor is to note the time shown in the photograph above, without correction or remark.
10:36
